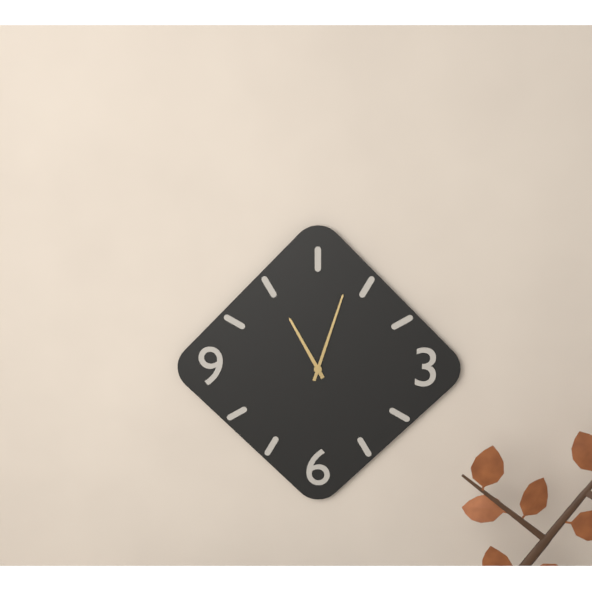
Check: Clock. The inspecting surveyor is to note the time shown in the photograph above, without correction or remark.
11:03
